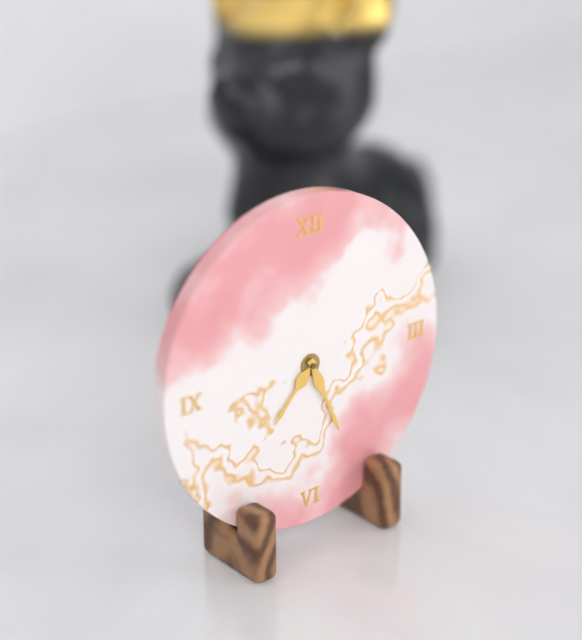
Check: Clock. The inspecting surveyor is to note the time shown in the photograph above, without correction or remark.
7:26
